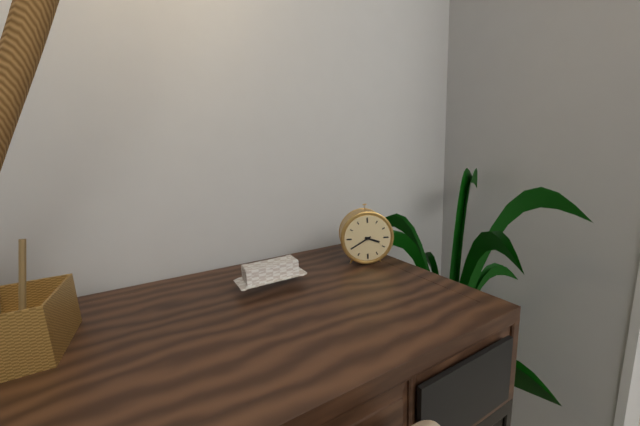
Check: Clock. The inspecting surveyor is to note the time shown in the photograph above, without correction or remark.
3:40
